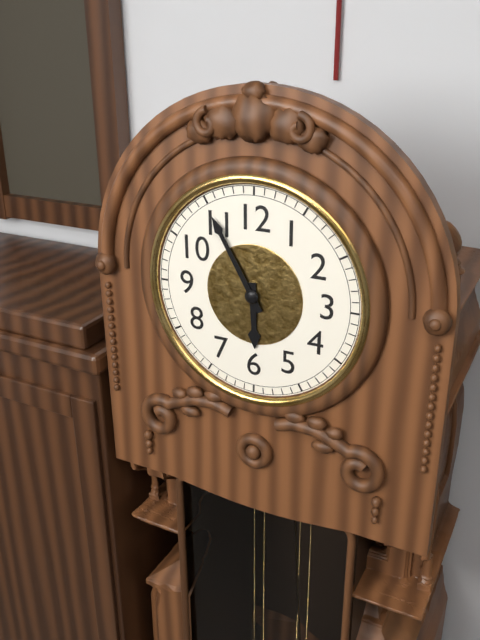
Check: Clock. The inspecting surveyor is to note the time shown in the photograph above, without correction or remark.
5:55
